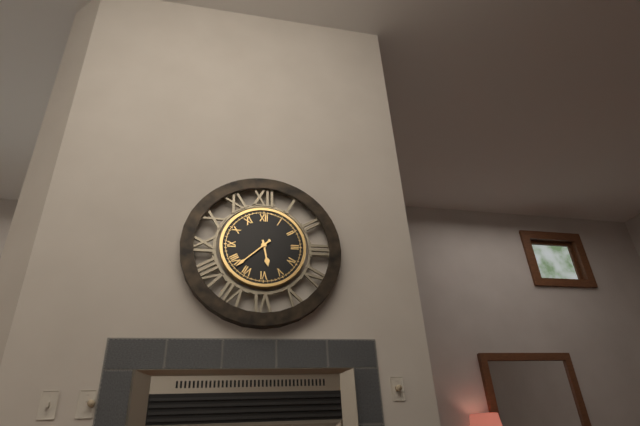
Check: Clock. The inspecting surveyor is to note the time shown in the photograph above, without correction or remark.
5:38
